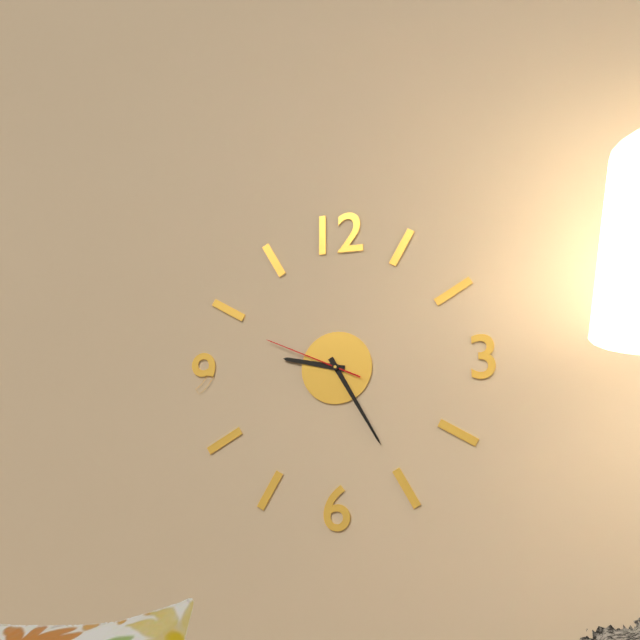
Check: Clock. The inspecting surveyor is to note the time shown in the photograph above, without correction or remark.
9:25:49
